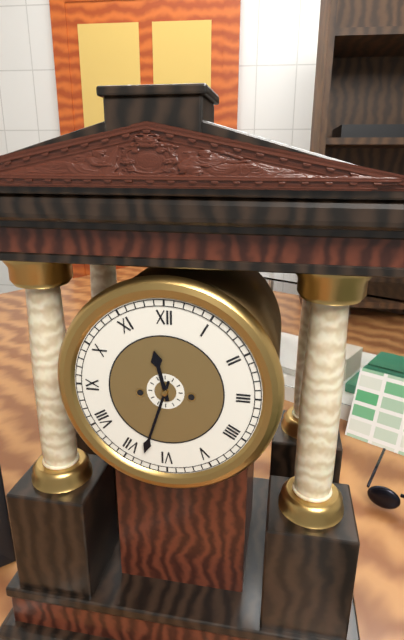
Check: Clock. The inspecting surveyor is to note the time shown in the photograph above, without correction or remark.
11:33
